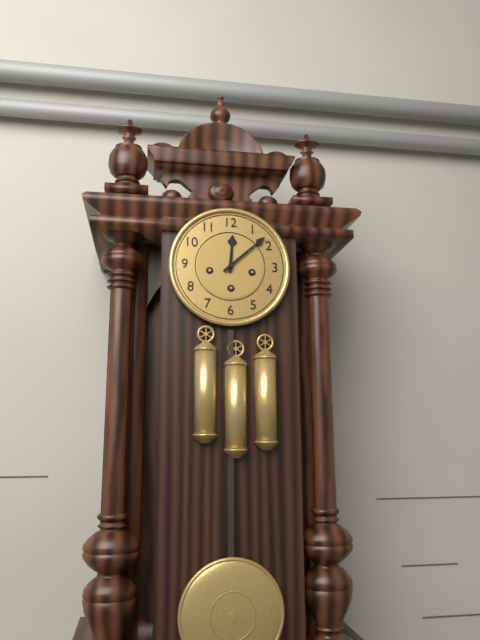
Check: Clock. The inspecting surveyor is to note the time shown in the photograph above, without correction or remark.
12:08
